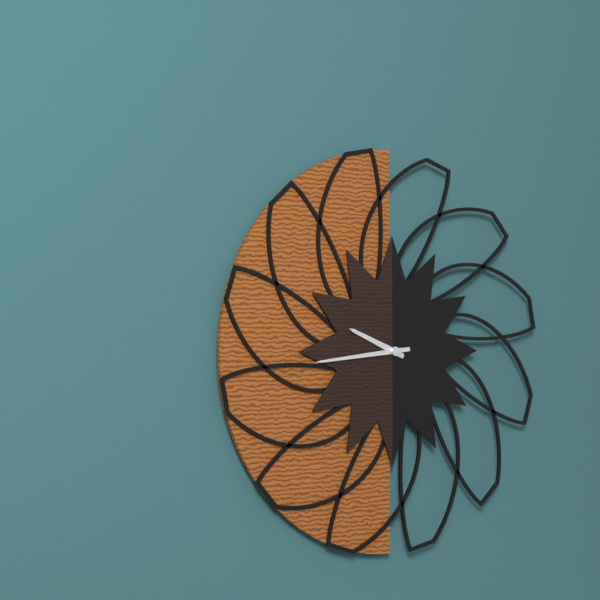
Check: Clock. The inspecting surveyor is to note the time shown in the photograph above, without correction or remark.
9:44
